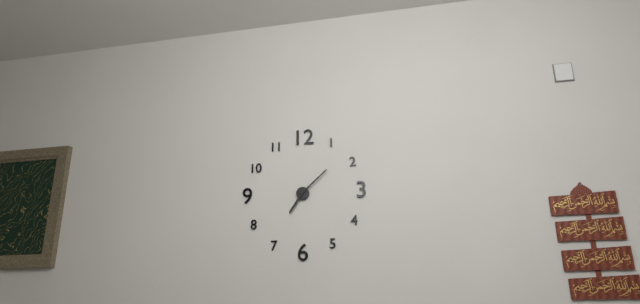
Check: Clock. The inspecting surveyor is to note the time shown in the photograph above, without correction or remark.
7:08
